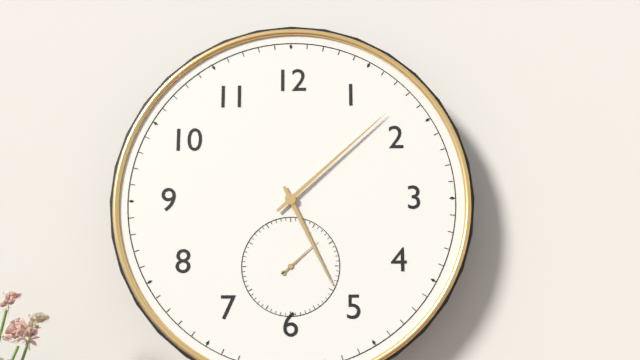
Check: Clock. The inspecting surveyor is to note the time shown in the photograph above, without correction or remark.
5:08
